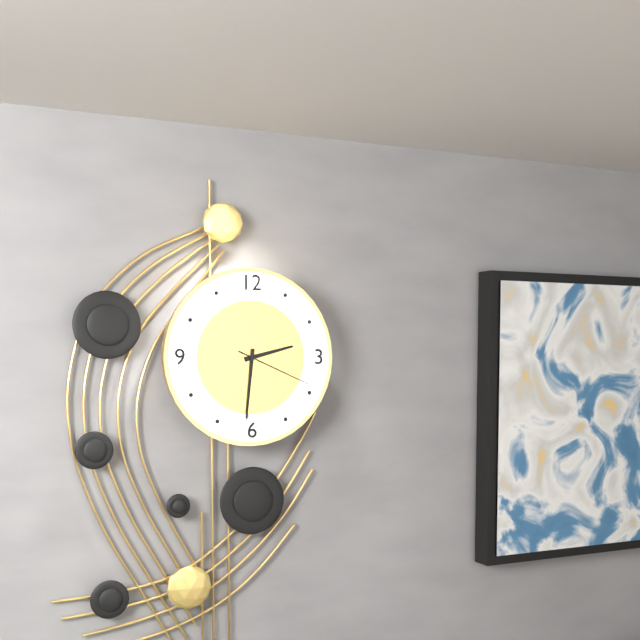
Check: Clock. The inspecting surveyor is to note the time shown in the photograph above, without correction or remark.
2:31:19
